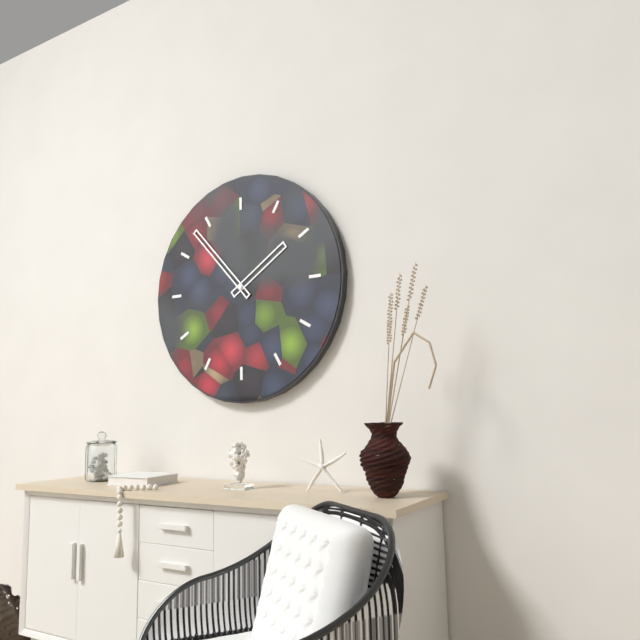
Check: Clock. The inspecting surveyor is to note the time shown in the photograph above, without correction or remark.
1:53
